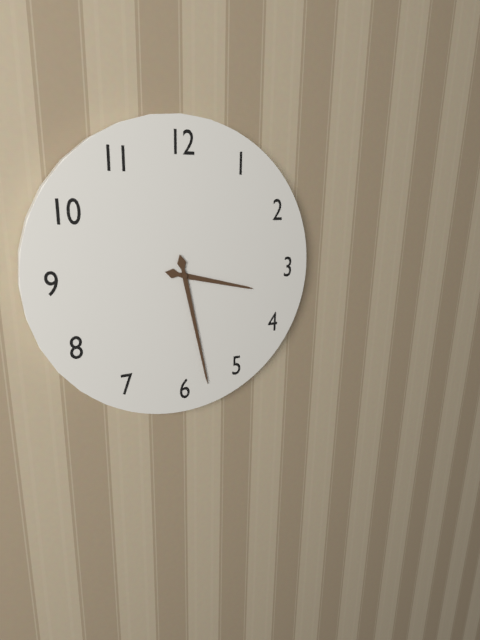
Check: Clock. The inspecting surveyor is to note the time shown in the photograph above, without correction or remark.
3:28
